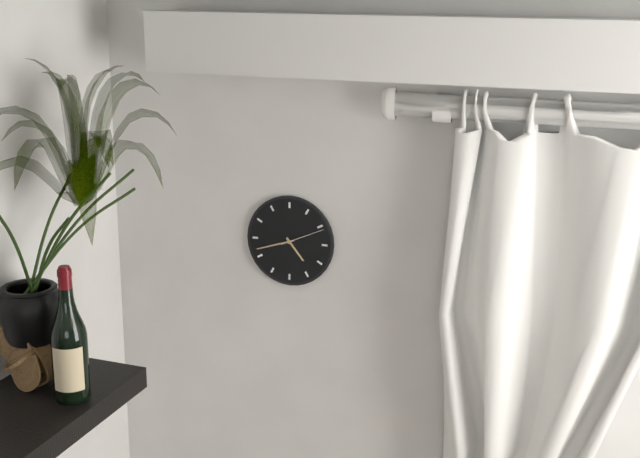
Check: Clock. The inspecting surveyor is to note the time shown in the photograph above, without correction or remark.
4:42
